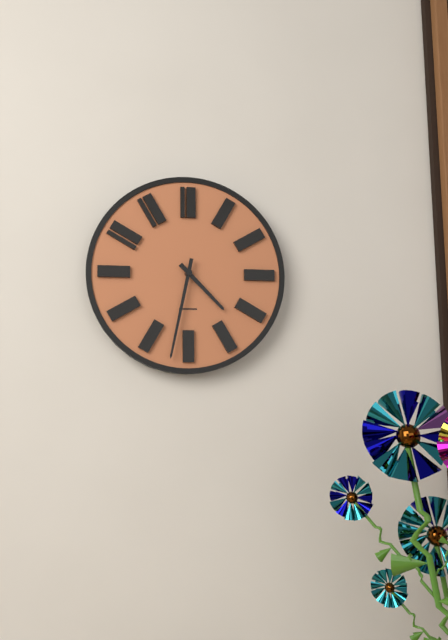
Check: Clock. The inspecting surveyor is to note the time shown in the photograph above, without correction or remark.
4:32
